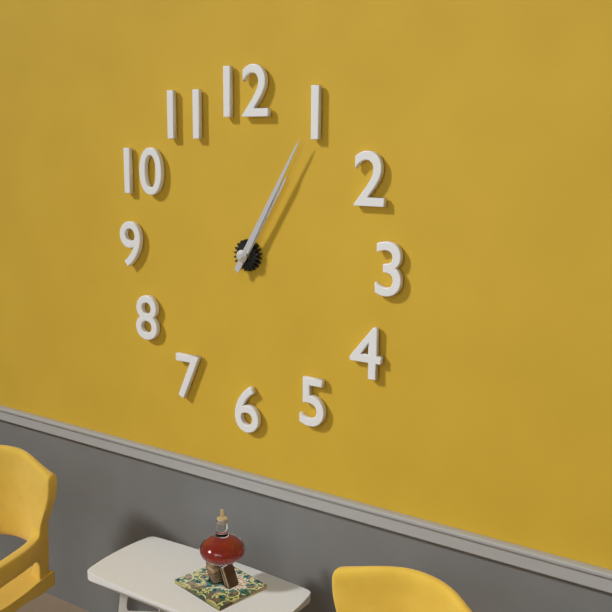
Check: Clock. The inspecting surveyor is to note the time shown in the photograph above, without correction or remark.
1:05
